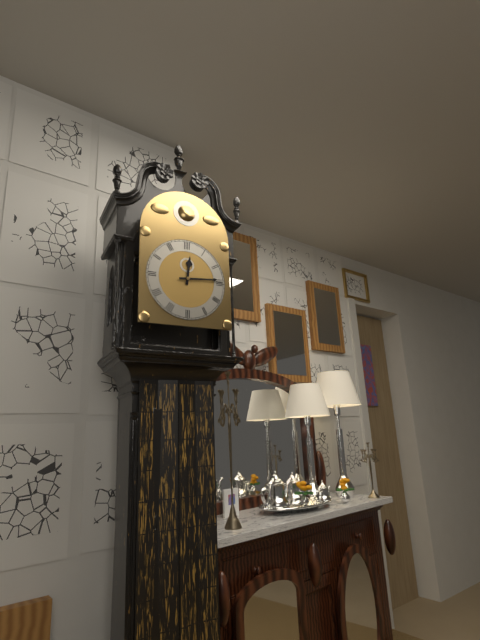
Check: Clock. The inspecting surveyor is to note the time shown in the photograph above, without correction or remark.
12:14
